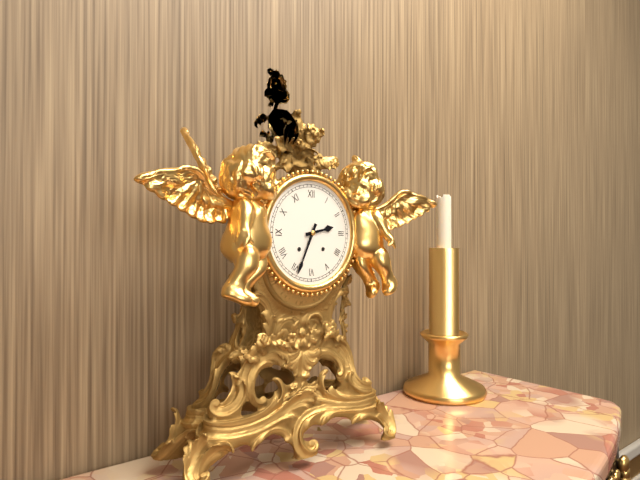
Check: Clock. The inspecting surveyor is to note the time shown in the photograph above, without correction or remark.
2:34
